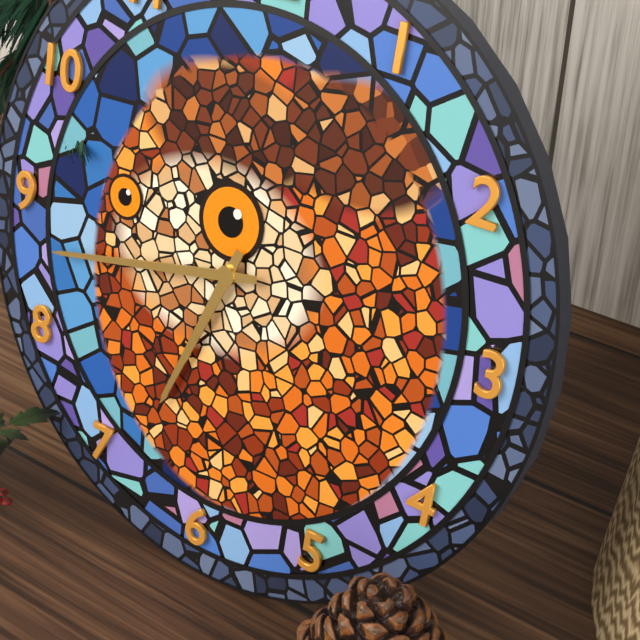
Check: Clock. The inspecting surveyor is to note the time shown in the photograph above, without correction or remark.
6:43
